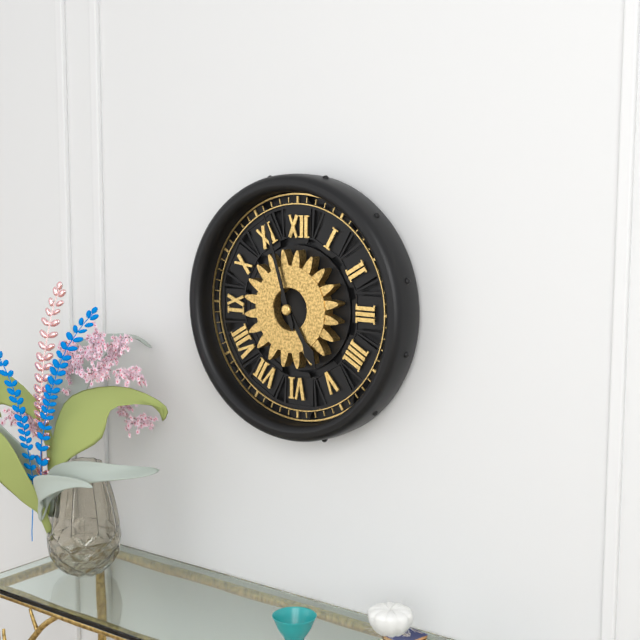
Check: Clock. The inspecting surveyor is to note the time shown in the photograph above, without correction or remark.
4:57
